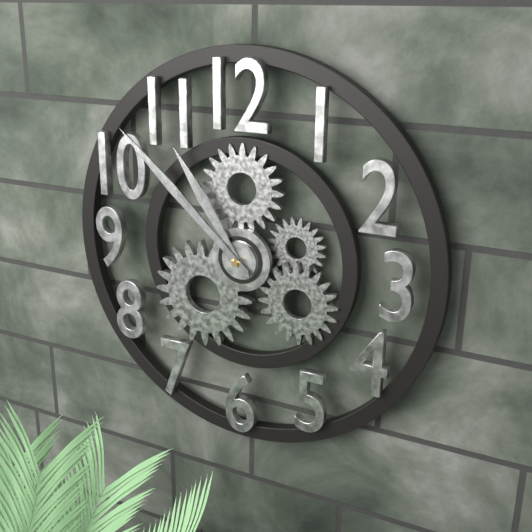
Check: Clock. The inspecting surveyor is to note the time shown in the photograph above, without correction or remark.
10:52
